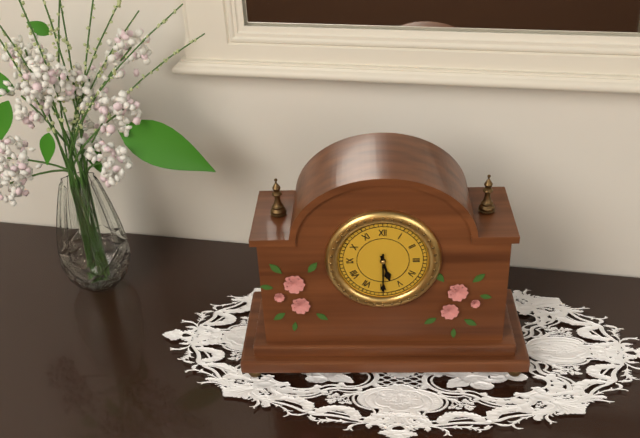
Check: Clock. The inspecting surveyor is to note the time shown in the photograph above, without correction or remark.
5:30
